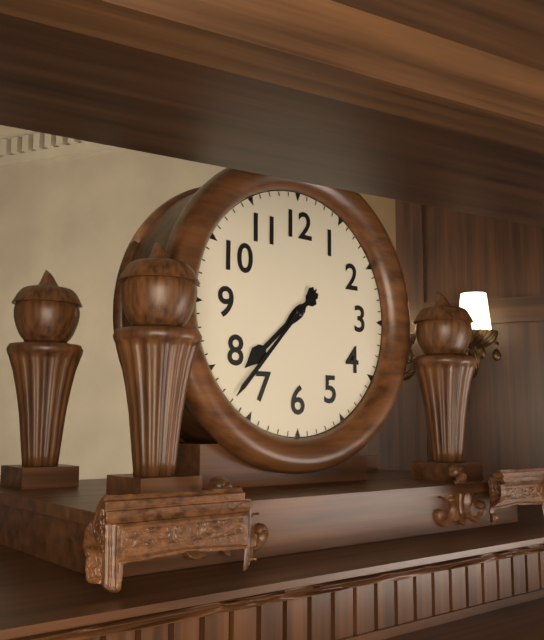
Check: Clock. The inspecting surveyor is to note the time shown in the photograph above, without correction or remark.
7:37
